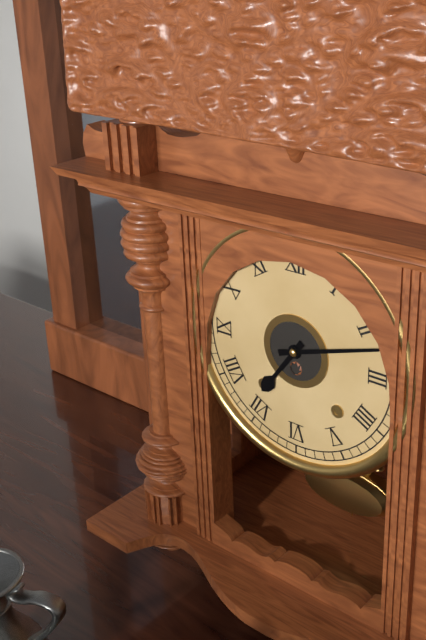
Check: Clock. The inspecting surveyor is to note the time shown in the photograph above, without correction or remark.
7:12
